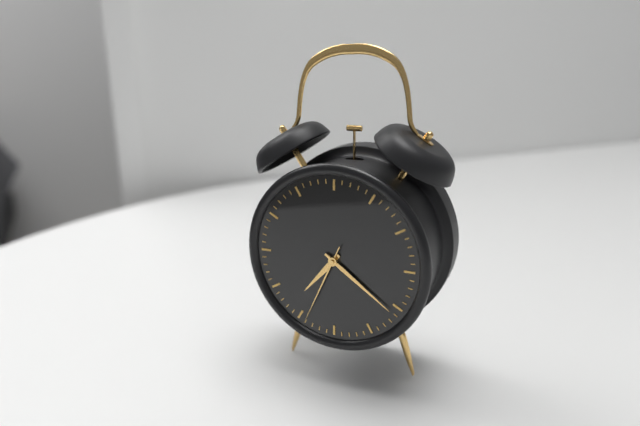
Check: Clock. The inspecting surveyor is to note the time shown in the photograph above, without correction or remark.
7:21:34
